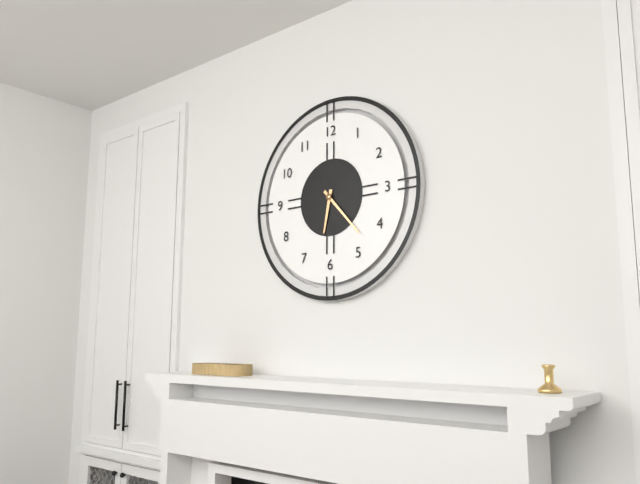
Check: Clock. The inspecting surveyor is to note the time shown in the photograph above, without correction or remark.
6:23
